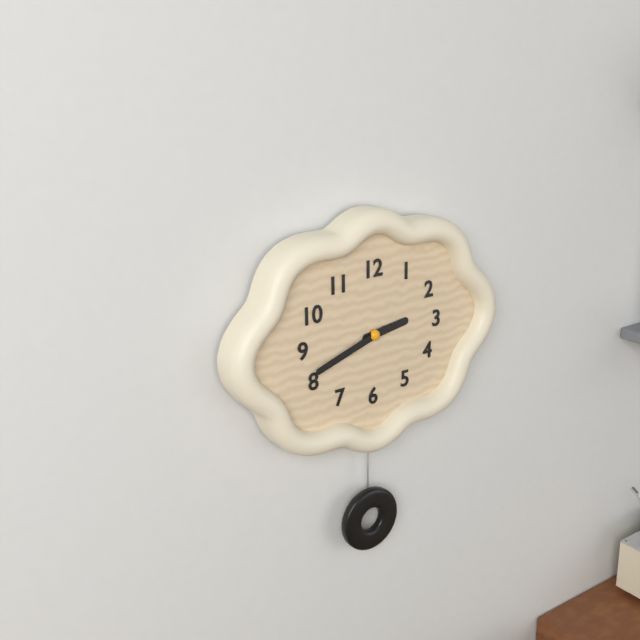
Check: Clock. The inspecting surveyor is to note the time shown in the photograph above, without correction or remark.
2:42
